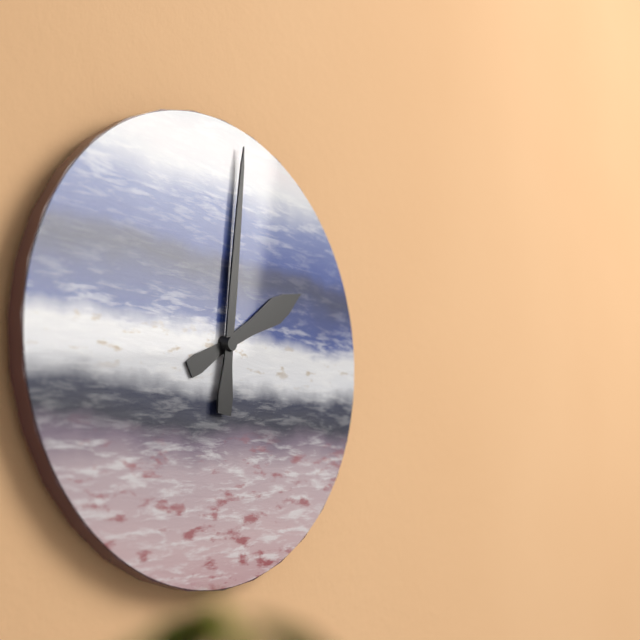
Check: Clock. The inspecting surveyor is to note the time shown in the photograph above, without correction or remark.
2:01
